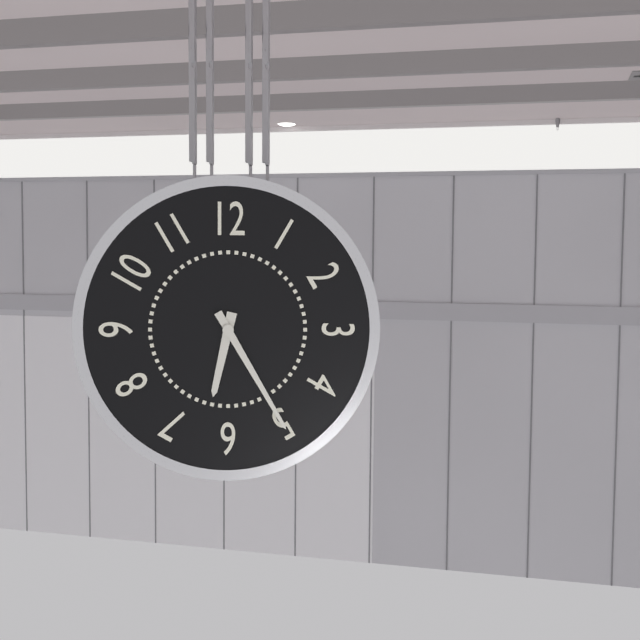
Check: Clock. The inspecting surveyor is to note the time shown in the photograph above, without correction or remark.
6:25
